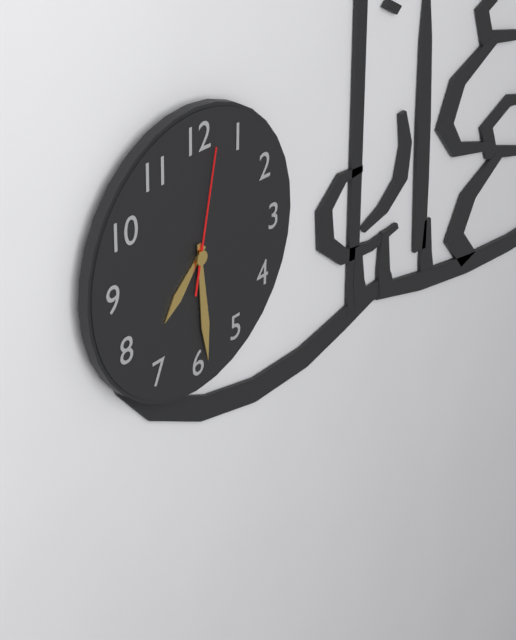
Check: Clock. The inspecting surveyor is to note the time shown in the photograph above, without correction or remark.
7:29:02
